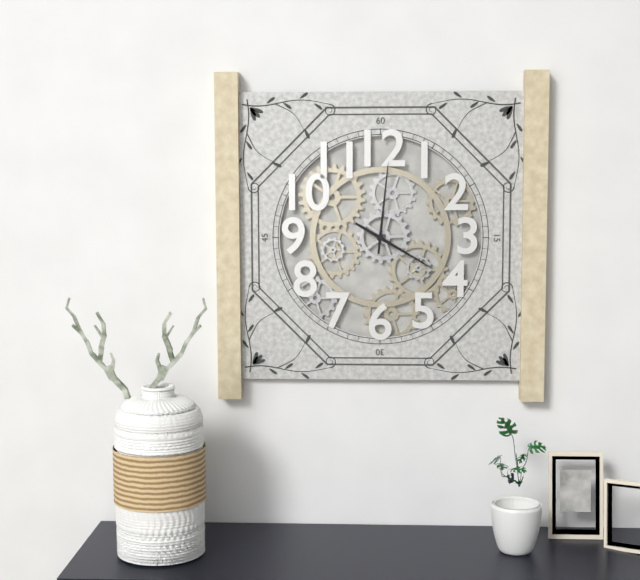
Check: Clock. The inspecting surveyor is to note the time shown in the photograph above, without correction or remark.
4:01
